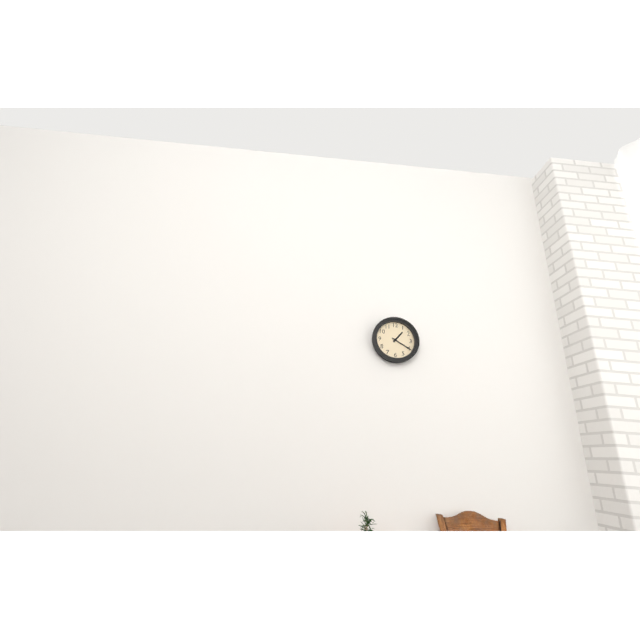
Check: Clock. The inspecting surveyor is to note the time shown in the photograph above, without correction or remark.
1:20
